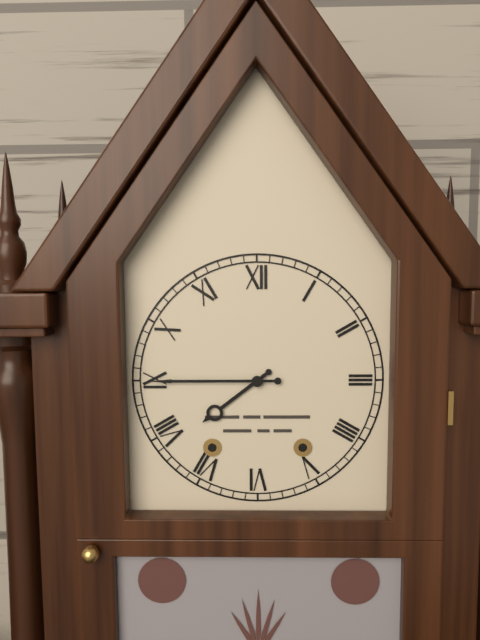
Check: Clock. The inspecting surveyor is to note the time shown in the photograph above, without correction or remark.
7:45
